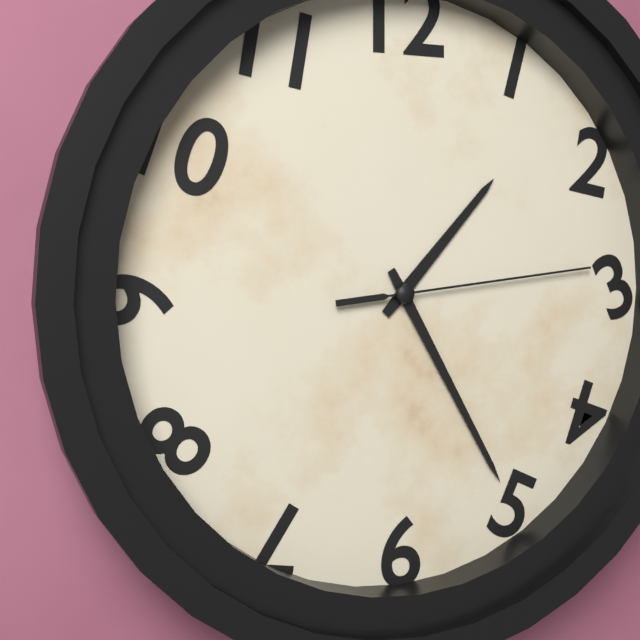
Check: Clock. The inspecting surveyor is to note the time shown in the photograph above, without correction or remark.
1:25:14
